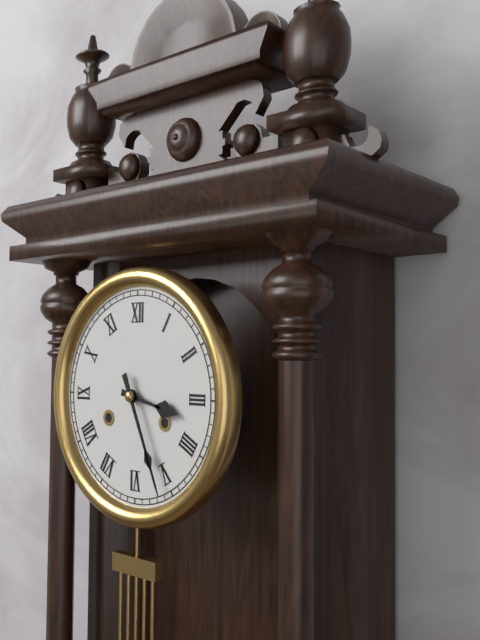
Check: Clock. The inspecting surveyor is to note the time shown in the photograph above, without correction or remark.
3:26
